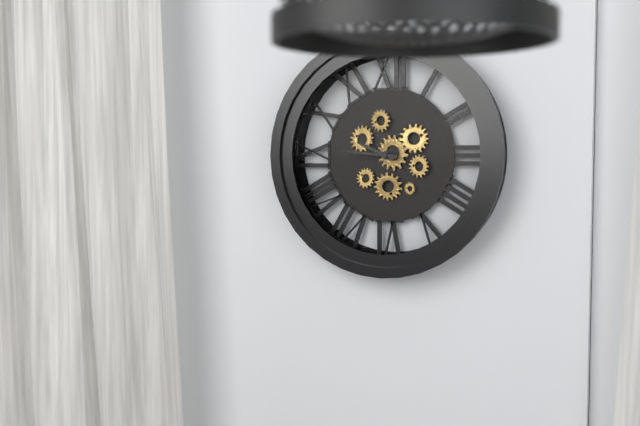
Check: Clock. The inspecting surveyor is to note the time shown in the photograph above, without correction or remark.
9:46
